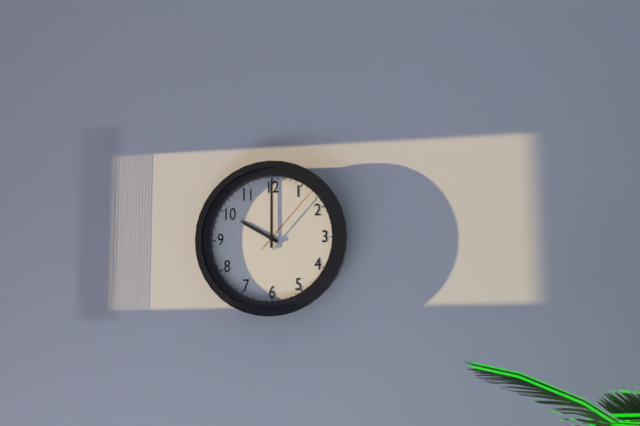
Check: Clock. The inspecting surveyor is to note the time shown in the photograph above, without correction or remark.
10:00:07
